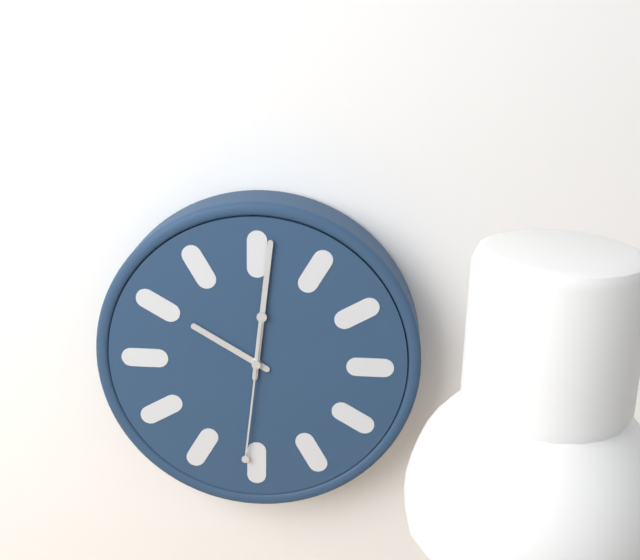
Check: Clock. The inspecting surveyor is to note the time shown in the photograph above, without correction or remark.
10:01:31
